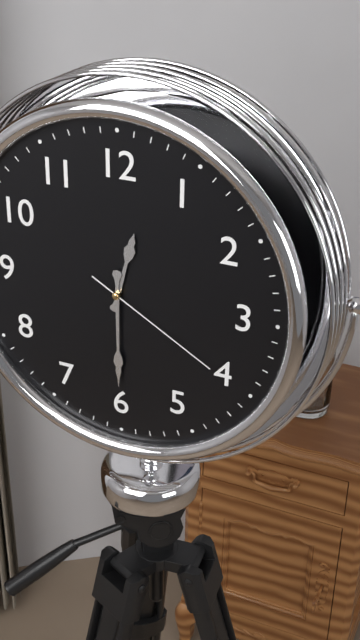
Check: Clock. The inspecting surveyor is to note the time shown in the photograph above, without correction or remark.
12:30:20
